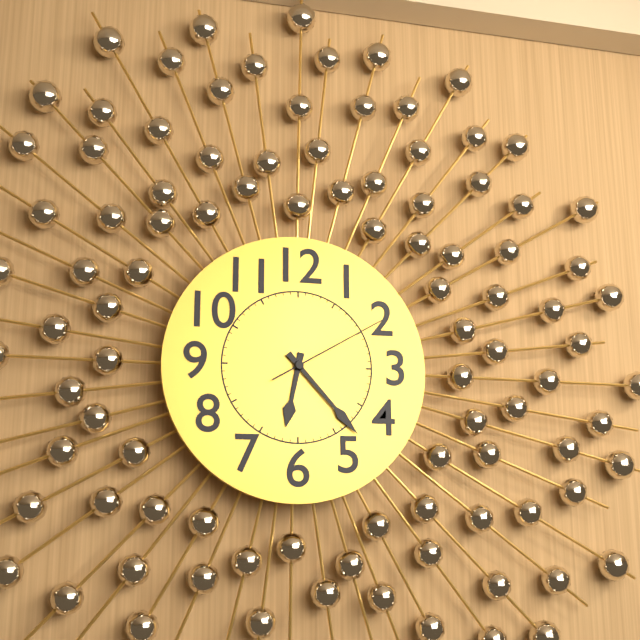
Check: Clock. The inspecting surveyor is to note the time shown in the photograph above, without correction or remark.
6:23:10
